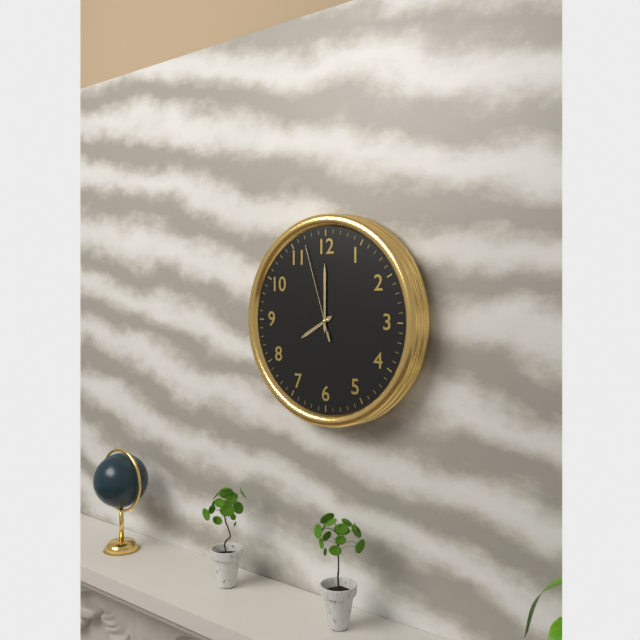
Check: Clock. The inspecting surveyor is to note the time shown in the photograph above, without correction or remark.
8:00:57
